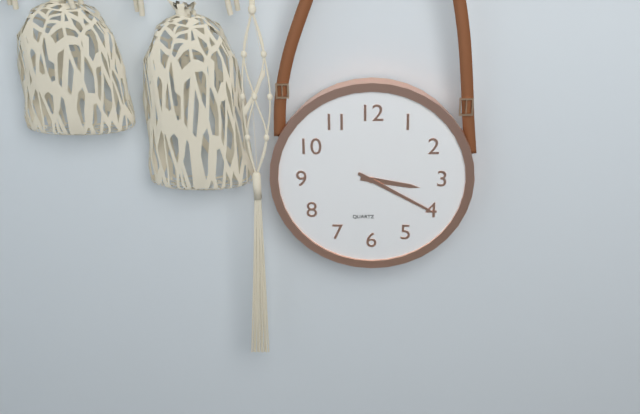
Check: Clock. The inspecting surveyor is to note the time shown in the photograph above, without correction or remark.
3:20
